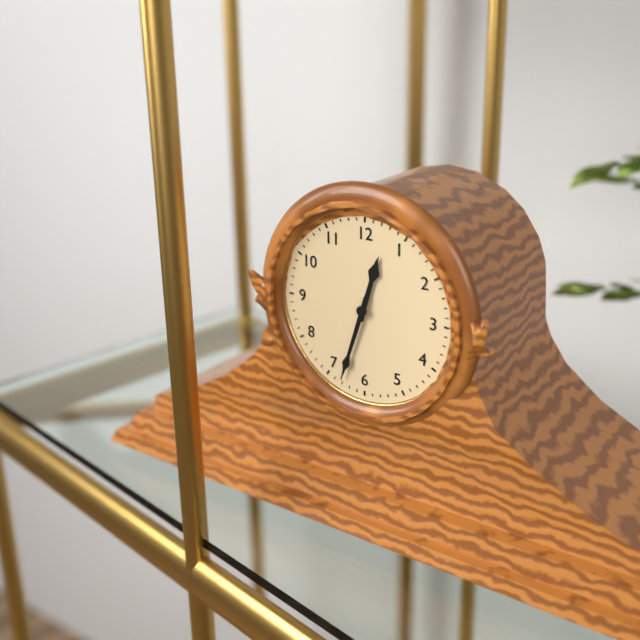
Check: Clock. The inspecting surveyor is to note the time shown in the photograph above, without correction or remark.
12:33
